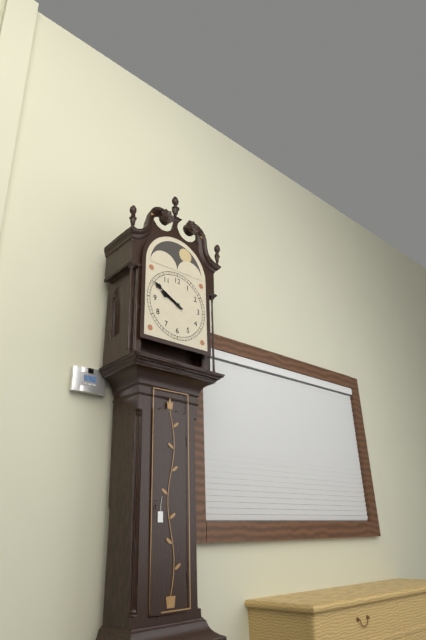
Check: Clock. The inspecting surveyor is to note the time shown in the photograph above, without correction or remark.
9:50
